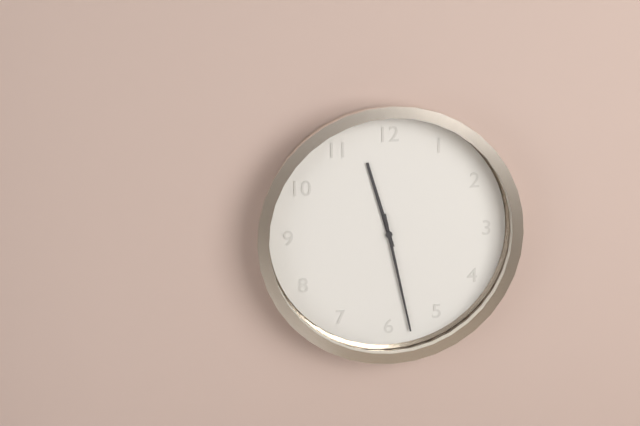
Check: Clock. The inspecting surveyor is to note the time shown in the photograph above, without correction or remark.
11:28
